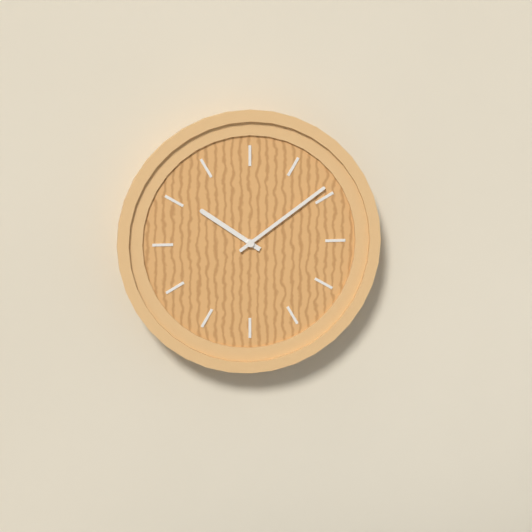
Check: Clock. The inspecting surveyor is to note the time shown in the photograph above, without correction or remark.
10:09
